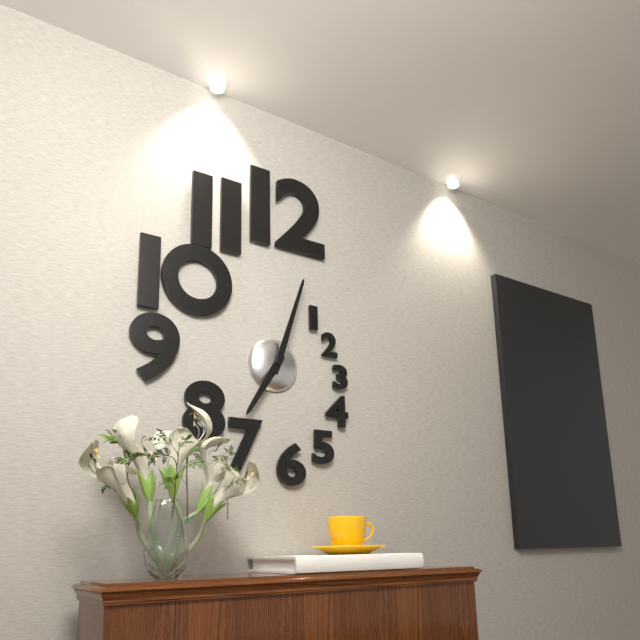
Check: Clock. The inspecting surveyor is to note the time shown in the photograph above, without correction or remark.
7:03
